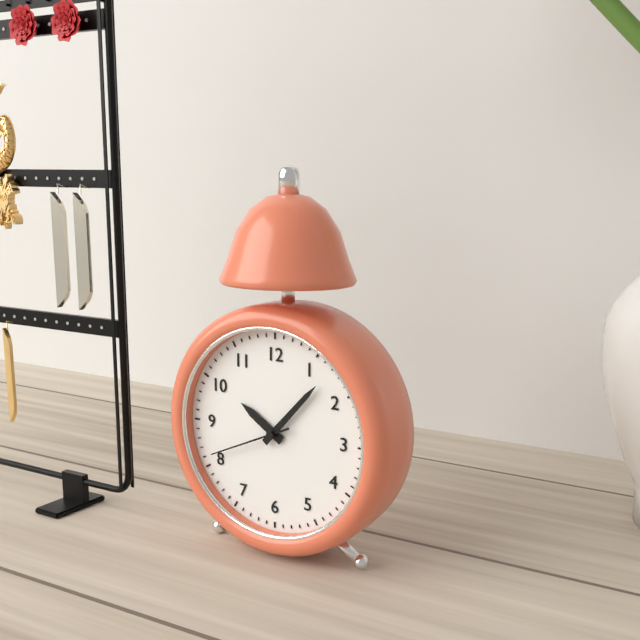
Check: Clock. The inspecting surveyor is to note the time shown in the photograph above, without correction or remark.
10:07:41
